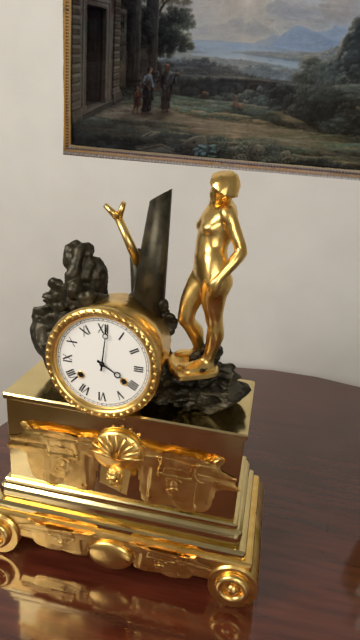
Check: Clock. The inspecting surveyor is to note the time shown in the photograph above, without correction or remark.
4:01
